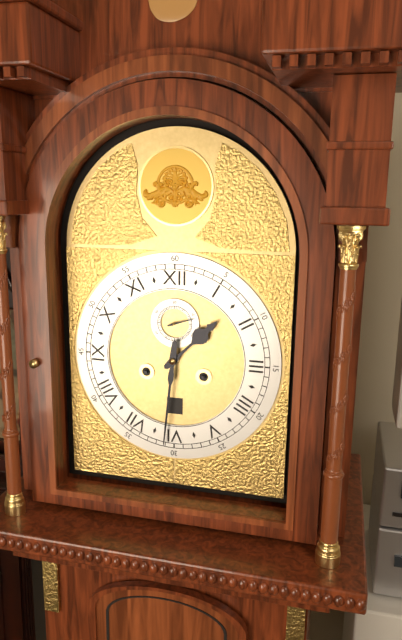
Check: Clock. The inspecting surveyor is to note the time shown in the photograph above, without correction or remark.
1:31
